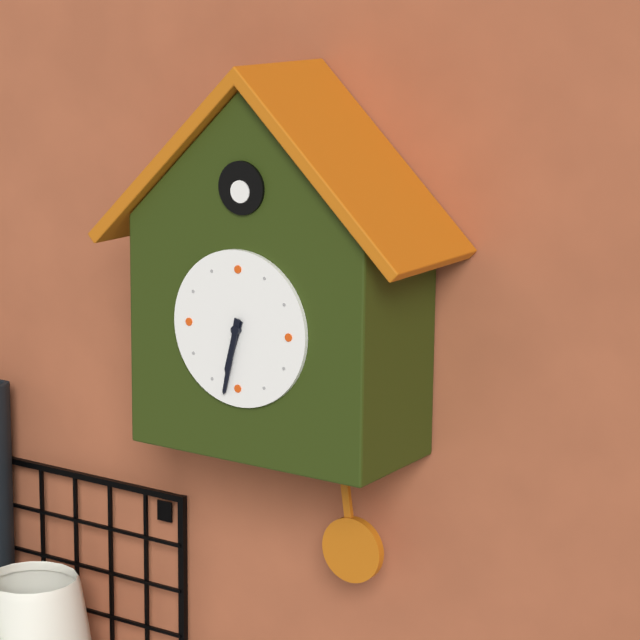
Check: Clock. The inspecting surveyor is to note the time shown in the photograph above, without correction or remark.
6:32
